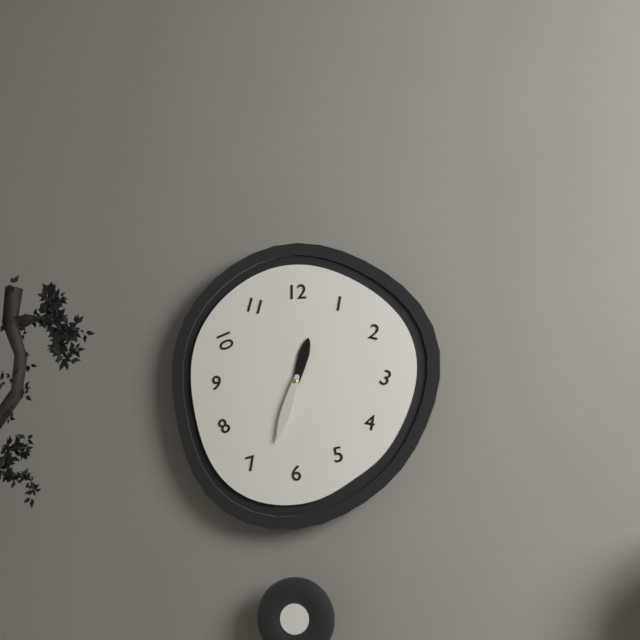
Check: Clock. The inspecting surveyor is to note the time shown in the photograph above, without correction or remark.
12:33
